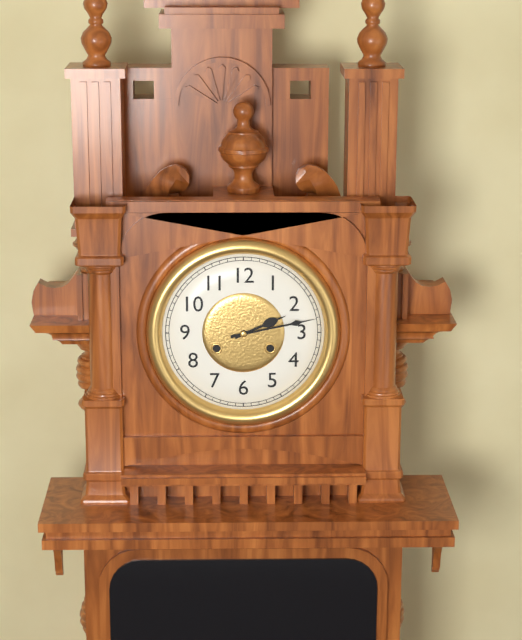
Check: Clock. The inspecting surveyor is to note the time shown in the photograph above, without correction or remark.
2:13
